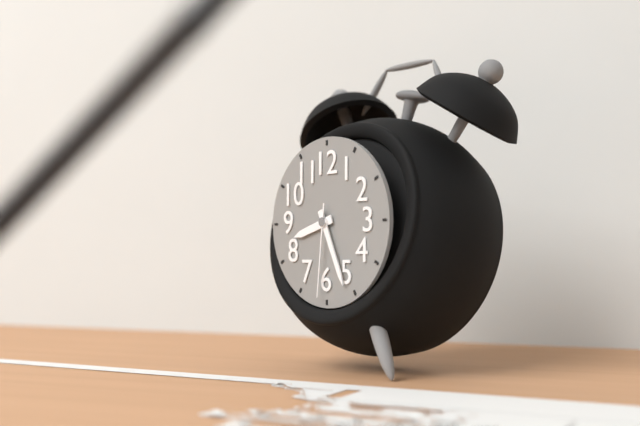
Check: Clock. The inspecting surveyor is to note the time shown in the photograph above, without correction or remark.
8:26:31
